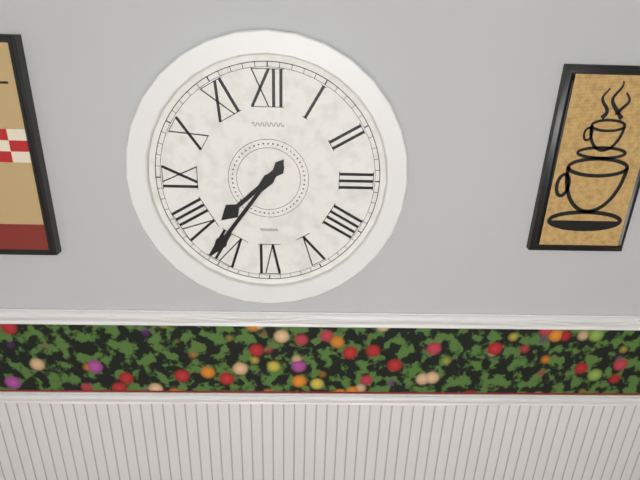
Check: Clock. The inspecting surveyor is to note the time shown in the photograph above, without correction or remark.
7:36
